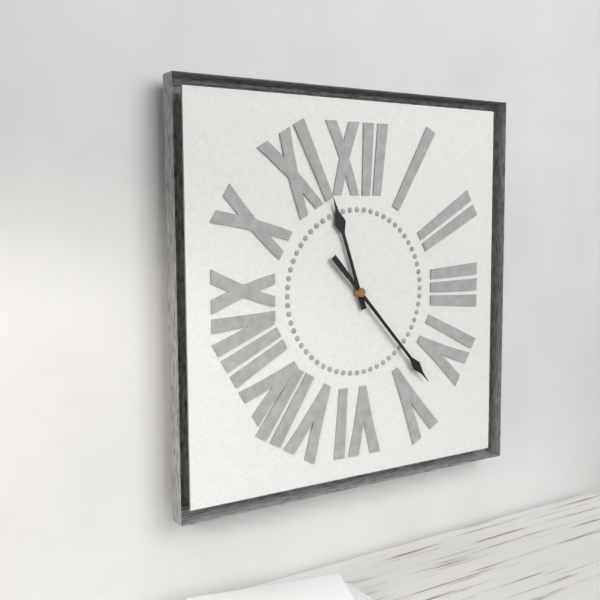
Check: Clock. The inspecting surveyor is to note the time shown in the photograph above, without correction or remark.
11:23
